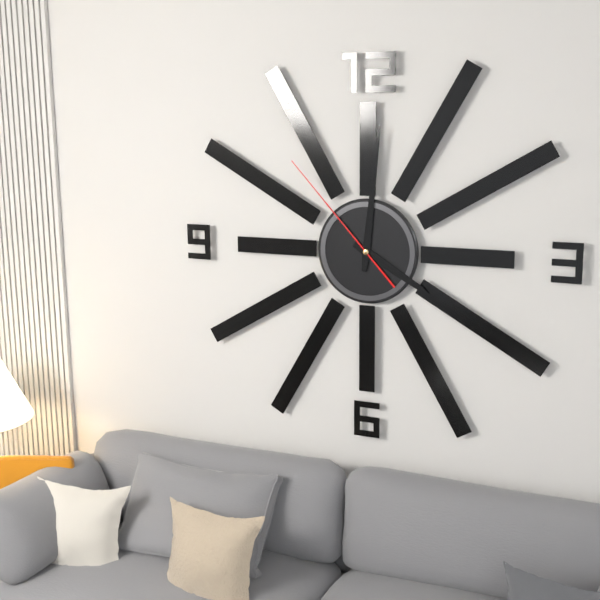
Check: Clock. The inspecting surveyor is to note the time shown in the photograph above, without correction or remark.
4:01:53
